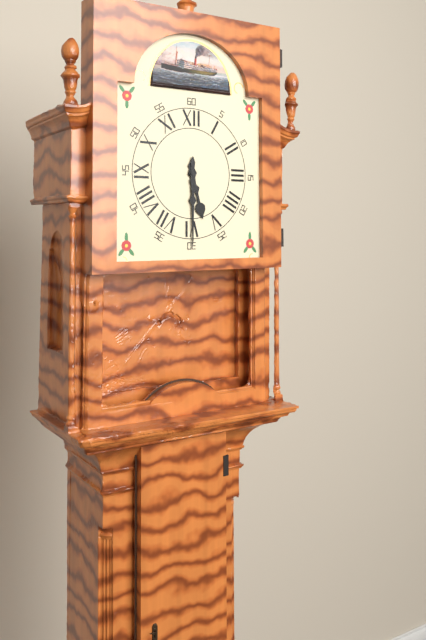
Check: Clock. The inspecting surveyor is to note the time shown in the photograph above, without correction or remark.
5:30
